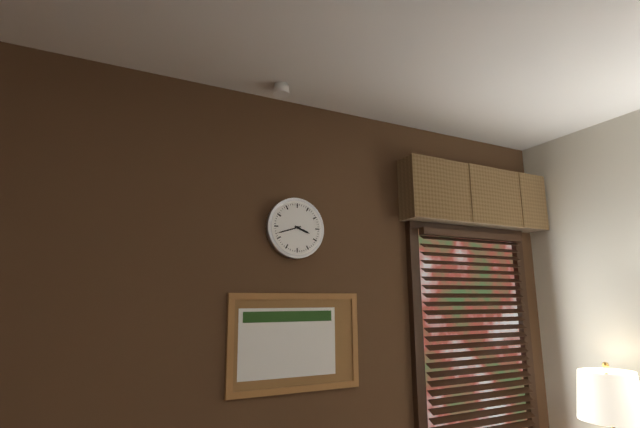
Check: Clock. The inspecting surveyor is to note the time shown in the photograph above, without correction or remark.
3:42
